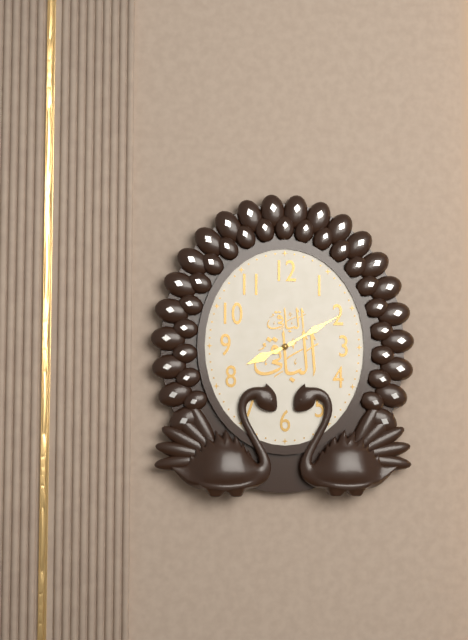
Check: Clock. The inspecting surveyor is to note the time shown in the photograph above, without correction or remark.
8:10
